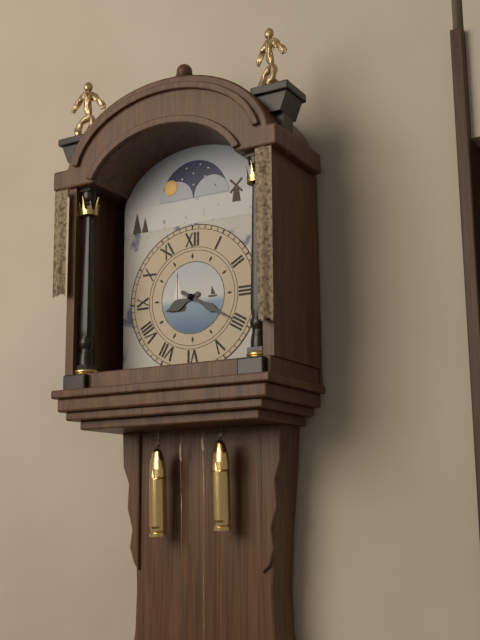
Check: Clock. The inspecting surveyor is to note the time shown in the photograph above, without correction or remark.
8:20
